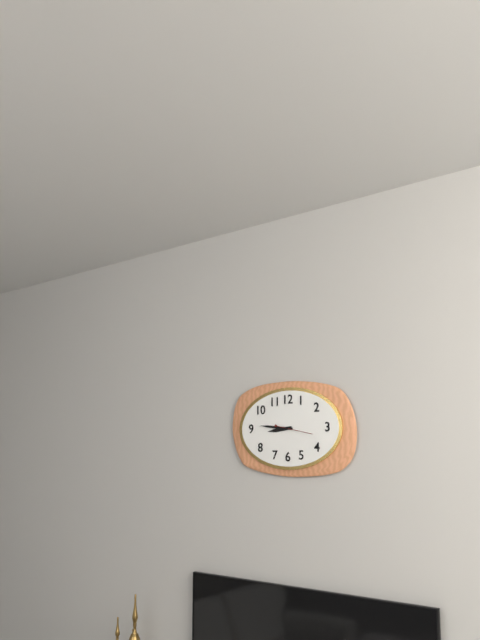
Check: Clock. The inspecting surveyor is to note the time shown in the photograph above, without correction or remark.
8:46
